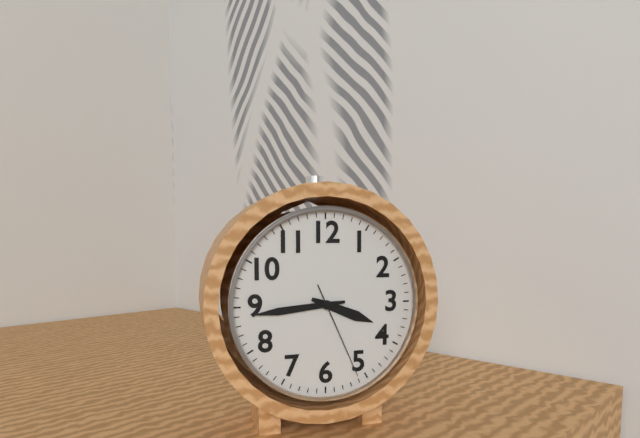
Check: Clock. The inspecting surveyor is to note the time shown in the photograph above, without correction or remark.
3:44:26
